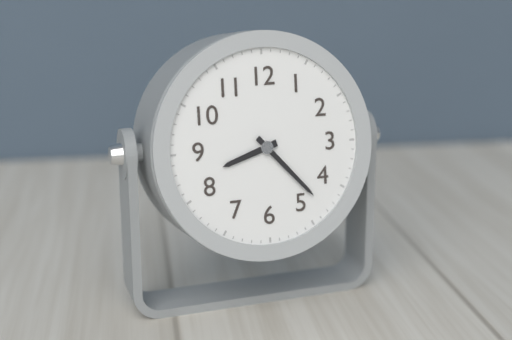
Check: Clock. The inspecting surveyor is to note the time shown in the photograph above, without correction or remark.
8:23
